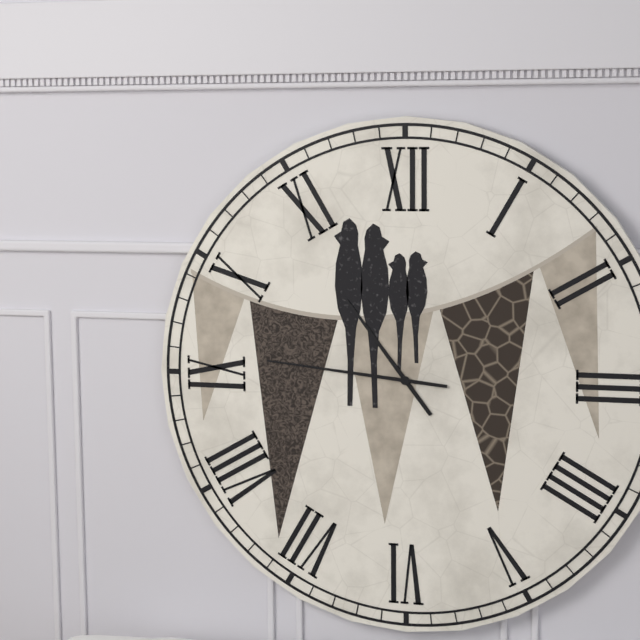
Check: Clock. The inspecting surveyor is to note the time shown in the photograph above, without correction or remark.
10:46
